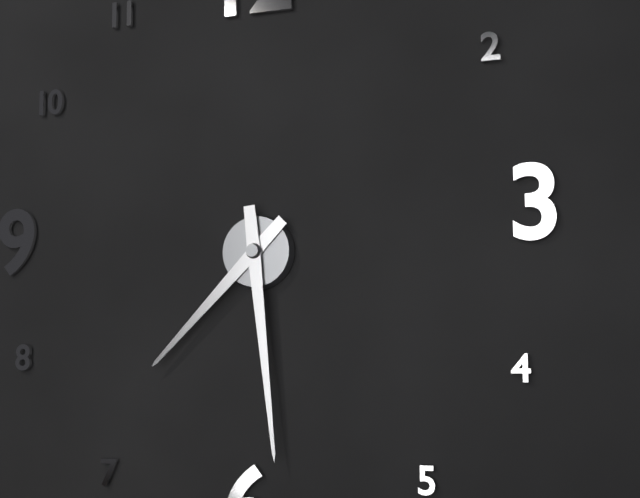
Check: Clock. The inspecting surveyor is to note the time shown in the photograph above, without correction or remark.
7:29
